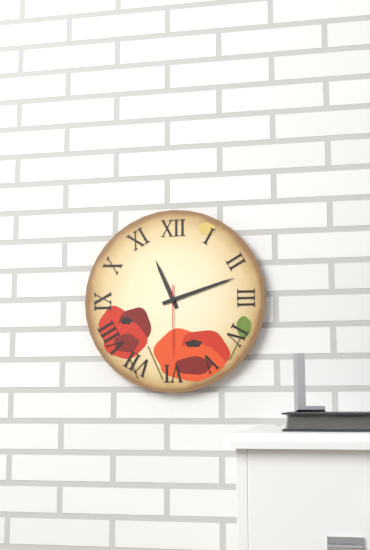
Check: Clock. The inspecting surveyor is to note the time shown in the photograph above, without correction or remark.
11:12:30
